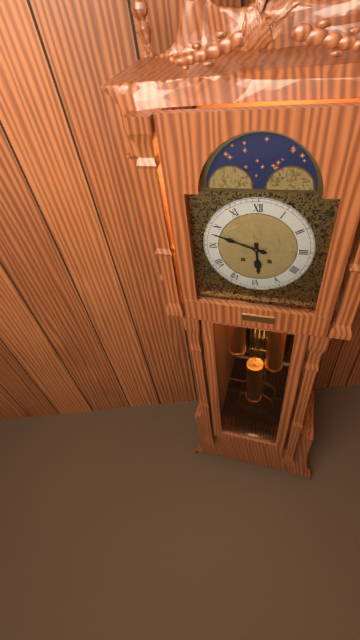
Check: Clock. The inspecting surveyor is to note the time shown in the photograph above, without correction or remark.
5:48
